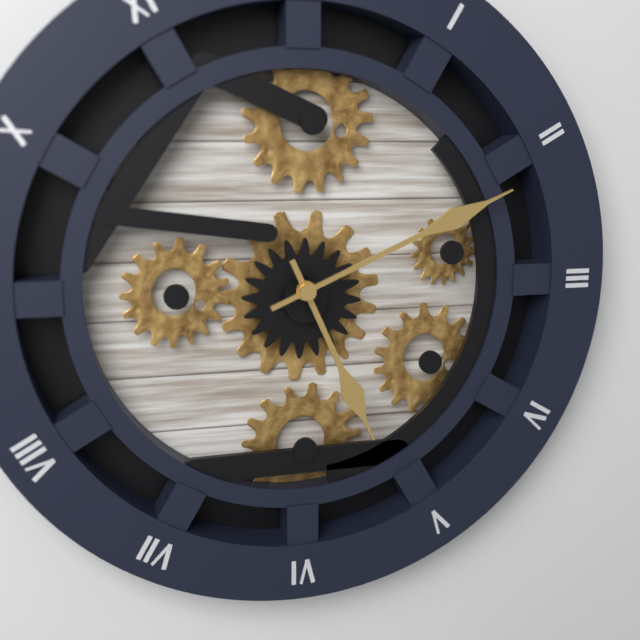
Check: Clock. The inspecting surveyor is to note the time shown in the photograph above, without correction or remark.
5:11
